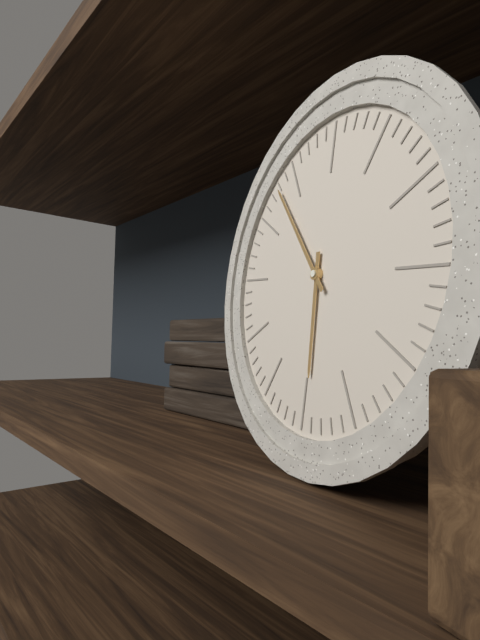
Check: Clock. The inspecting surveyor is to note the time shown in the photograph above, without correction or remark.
5:53
